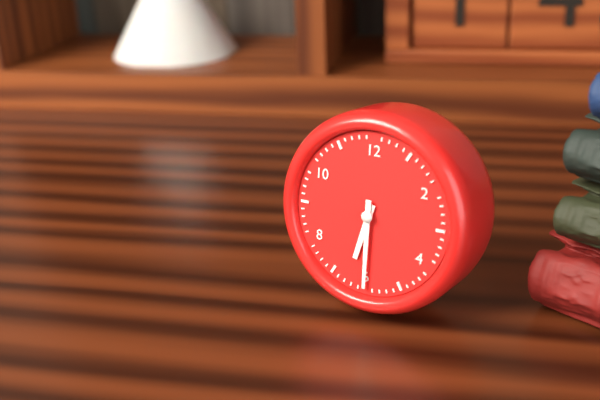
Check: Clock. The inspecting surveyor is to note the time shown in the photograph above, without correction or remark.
6:30
